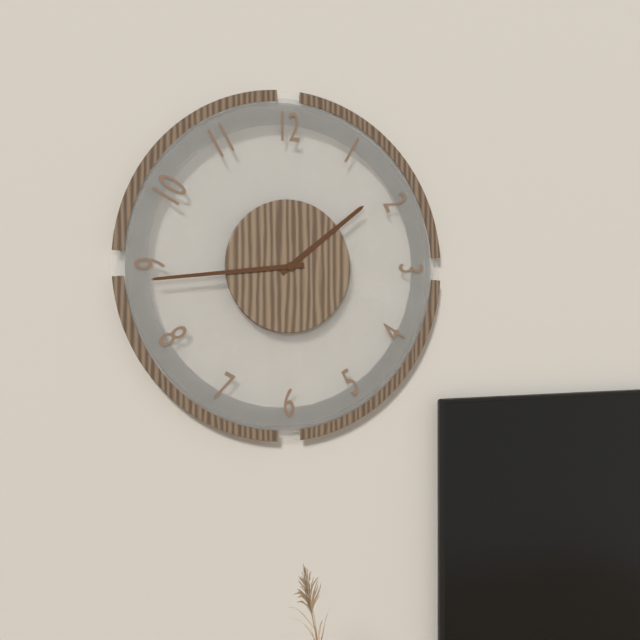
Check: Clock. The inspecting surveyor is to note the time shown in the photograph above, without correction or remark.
1:44
